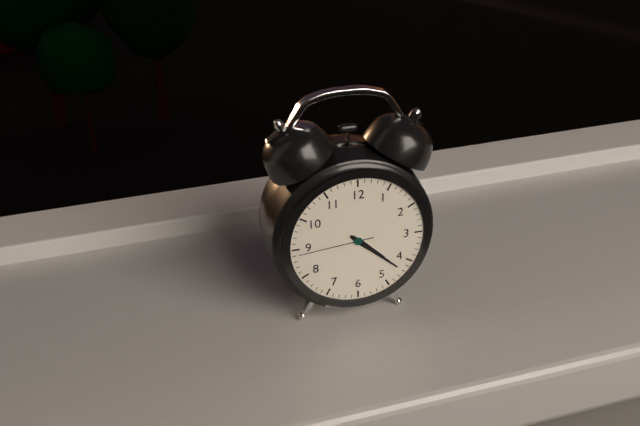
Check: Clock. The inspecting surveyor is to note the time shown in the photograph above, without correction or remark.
4:22:44
